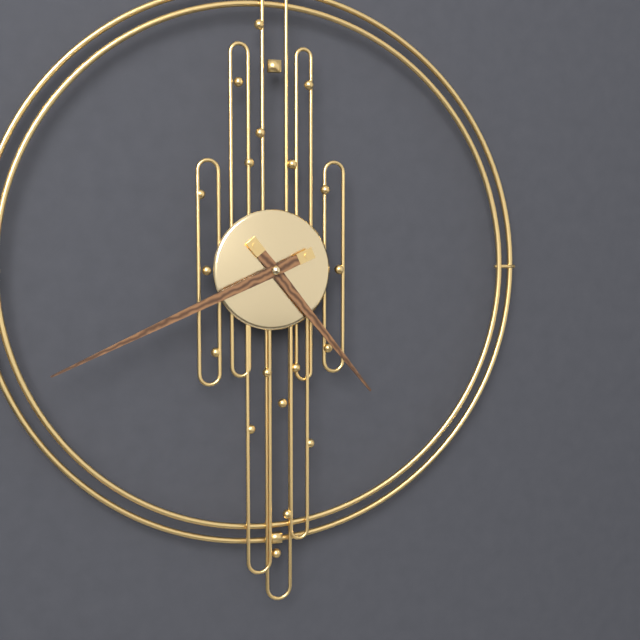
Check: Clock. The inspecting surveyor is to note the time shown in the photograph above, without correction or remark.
4:41
